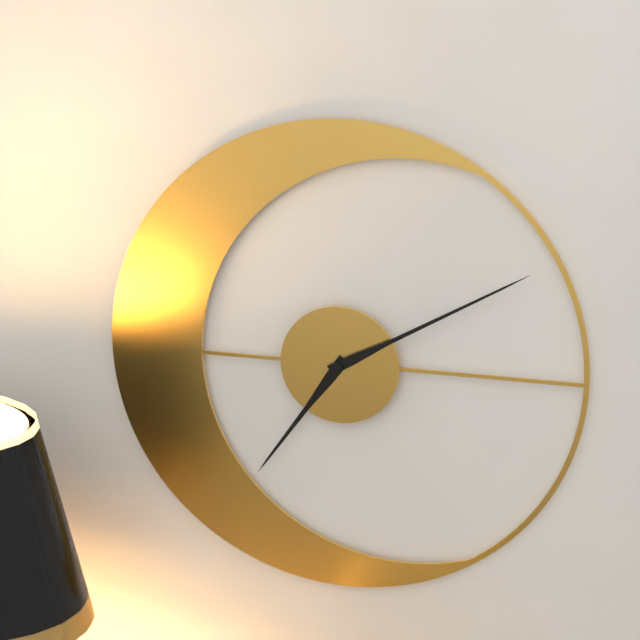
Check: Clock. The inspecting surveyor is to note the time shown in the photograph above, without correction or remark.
7:10
